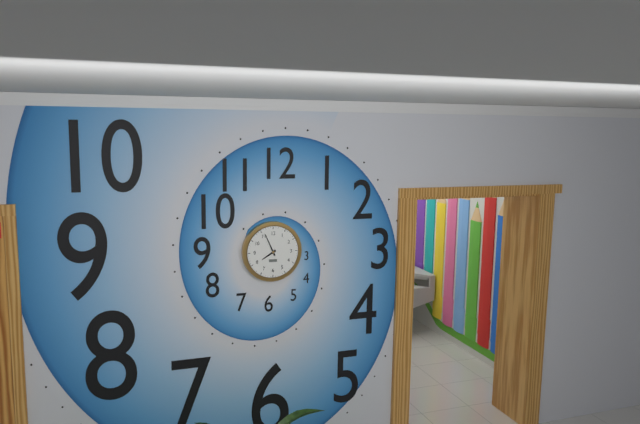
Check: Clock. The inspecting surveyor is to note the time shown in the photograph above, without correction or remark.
7:56
